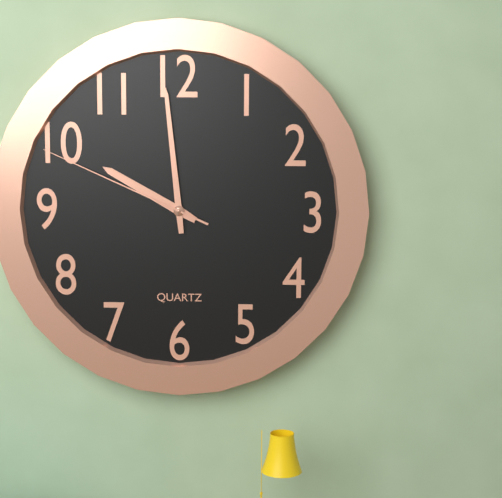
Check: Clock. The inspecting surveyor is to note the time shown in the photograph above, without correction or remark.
9:59:49
